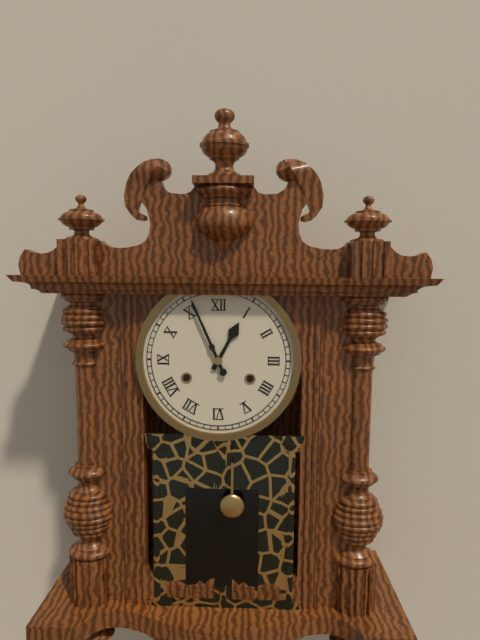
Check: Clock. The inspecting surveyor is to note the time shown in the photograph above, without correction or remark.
12:56
